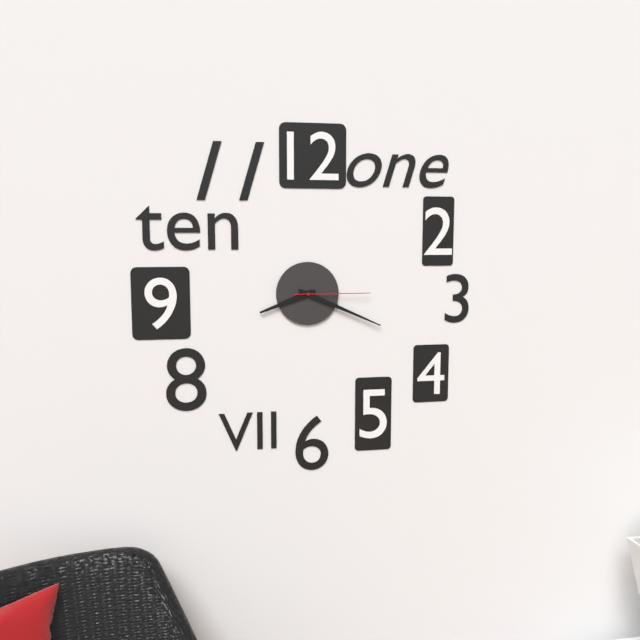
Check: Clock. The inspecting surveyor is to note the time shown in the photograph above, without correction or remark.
8:19:15
